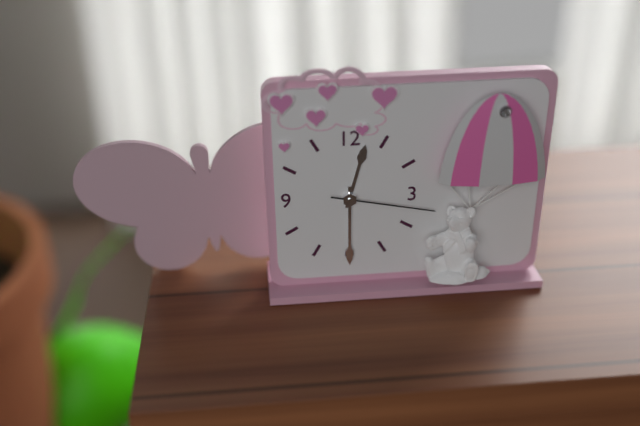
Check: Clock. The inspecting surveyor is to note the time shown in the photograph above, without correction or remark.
12:30:17
